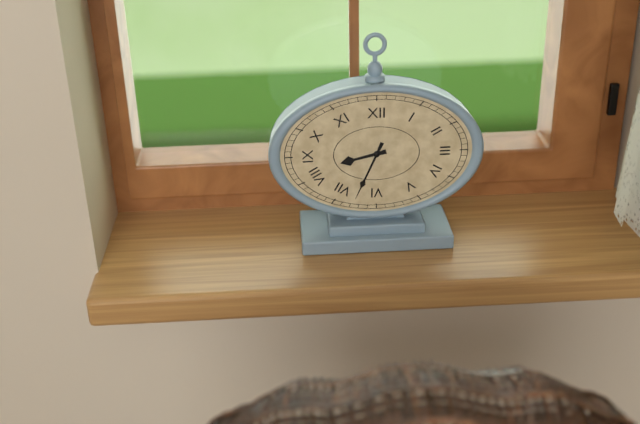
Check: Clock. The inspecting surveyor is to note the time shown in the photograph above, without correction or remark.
8:34
